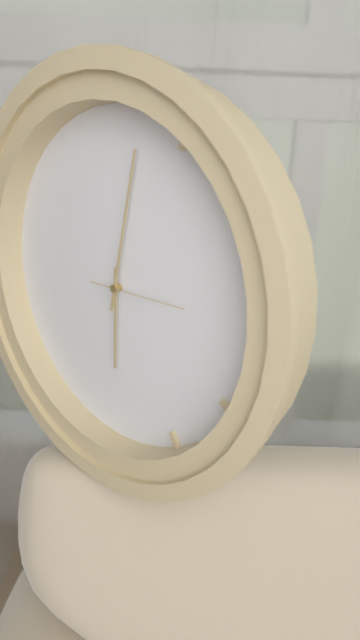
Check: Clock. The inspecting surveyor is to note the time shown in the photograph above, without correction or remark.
6:02:15
